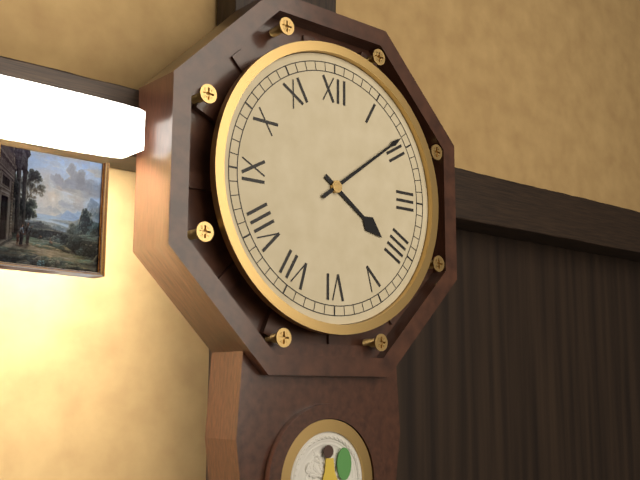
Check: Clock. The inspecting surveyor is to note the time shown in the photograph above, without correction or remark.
4:09
